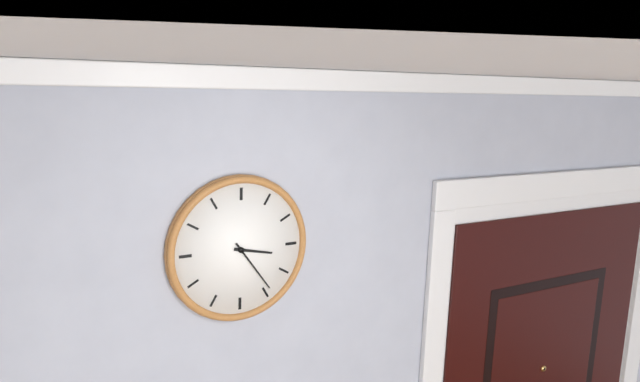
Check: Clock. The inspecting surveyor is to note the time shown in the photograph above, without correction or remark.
3:24
